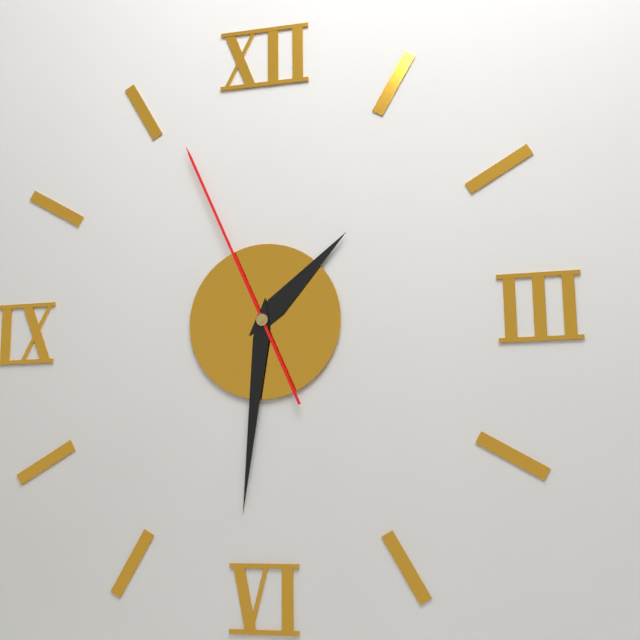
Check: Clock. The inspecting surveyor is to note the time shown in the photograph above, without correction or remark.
1:31:56
